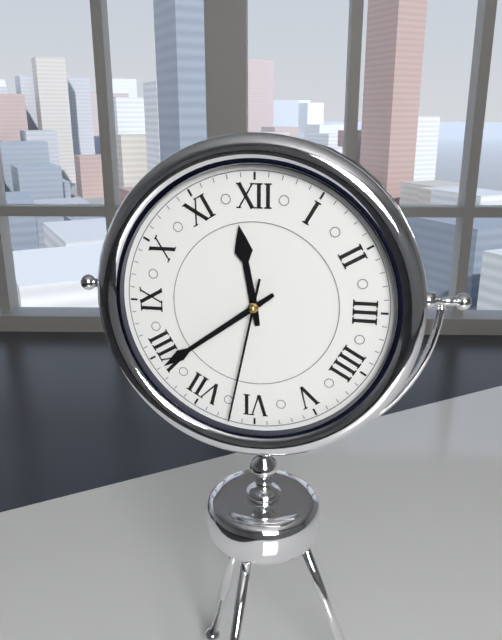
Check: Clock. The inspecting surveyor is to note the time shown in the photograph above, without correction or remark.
11:39:32
